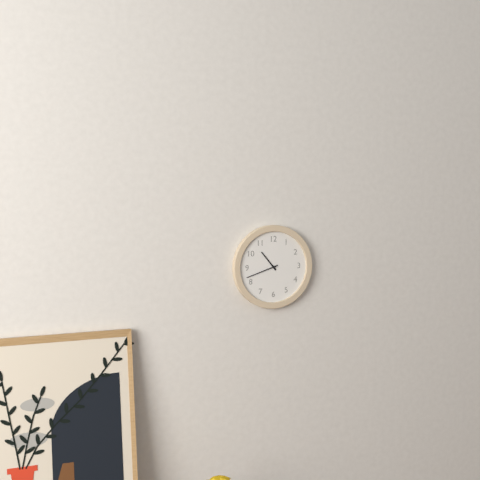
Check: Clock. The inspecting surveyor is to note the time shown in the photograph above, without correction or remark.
10:42
